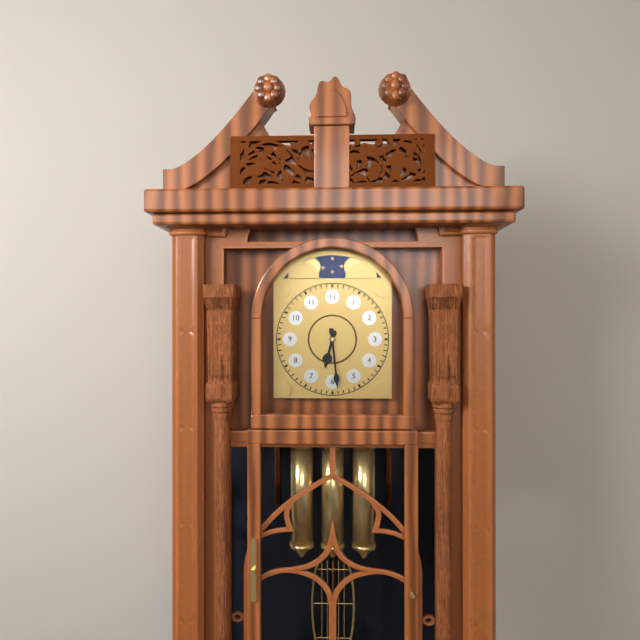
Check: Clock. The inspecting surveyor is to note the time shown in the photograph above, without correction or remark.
6:29
